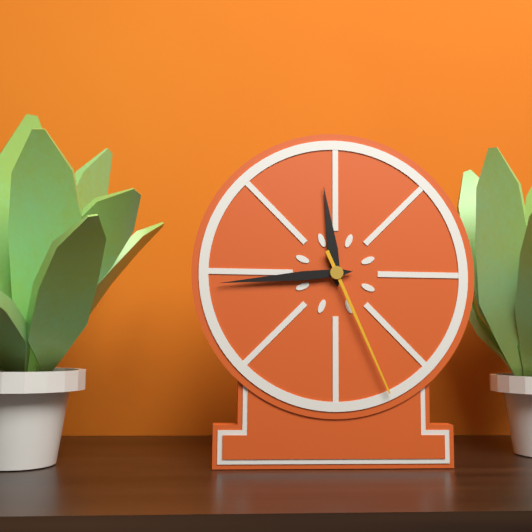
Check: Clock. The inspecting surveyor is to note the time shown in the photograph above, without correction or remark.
11:44:26
